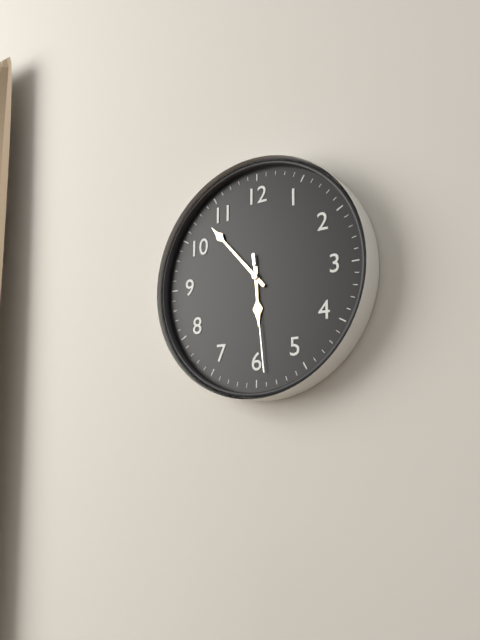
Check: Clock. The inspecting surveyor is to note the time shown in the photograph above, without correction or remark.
5:53:29
